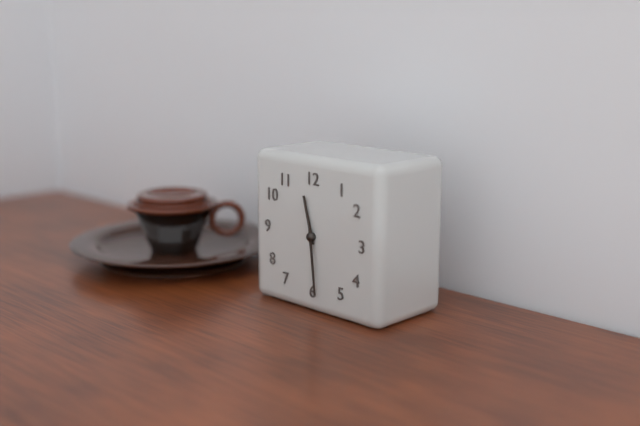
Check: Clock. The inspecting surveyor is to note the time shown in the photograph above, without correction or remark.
11:29
